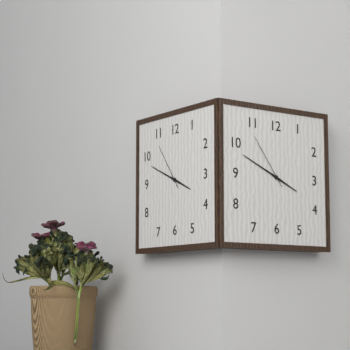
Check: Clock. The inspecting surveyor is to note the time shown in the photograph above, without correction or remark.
3:49
